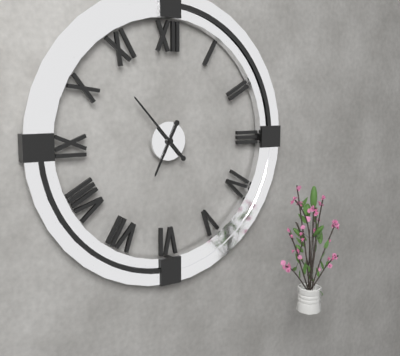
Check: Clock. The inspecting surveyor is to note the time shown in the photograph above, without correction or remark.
6:53
